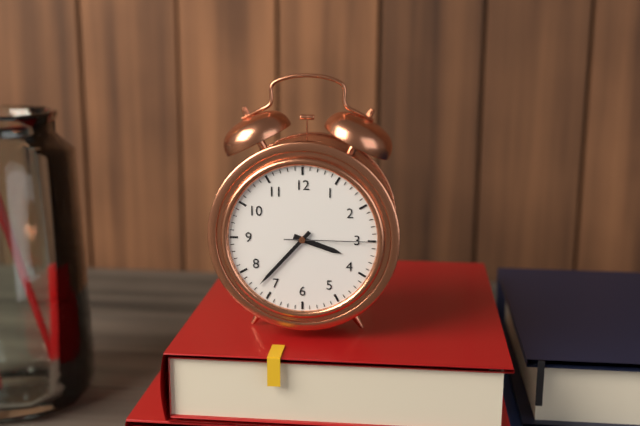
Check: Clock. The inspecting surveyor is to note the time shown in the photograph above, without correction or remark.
3:37:15
